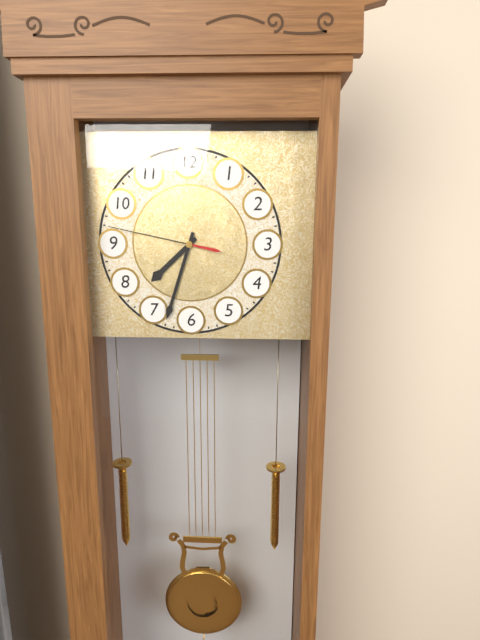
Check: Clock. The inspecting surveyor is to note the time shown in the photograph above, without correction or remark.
7:33:47
